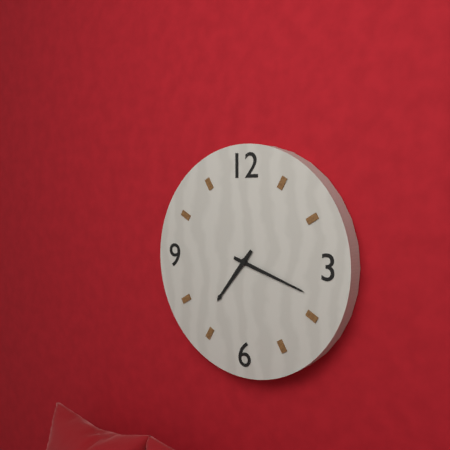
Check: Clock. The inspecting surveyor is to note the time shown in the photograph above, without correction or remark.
7:18
